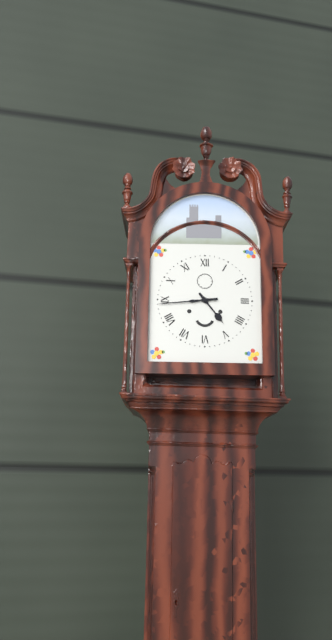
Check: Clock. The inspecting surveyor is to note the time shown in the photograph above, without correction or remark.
4:44
